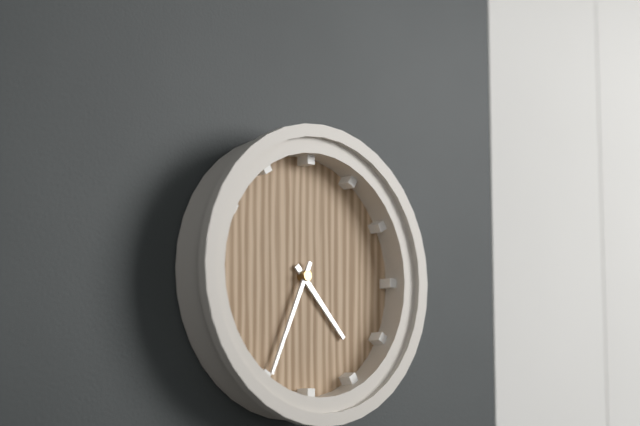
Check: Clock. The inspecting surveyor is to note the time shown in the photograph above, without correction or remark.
4:34
